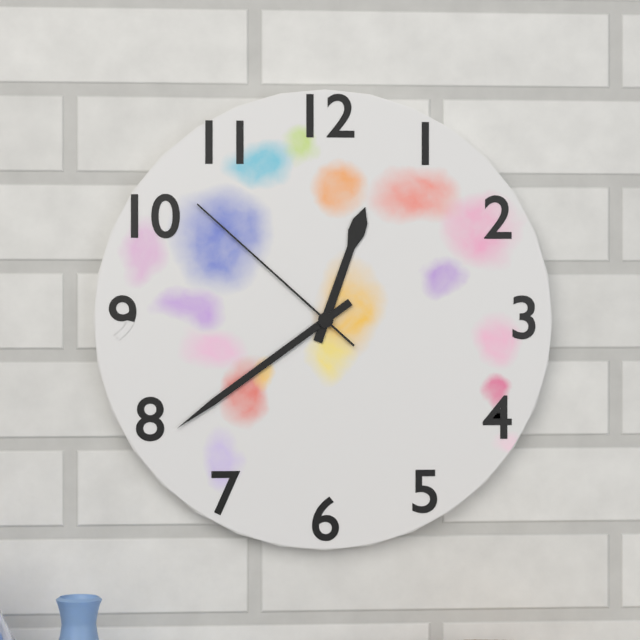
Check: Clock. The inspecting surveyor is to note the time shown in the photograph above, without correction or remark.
12:39:52
